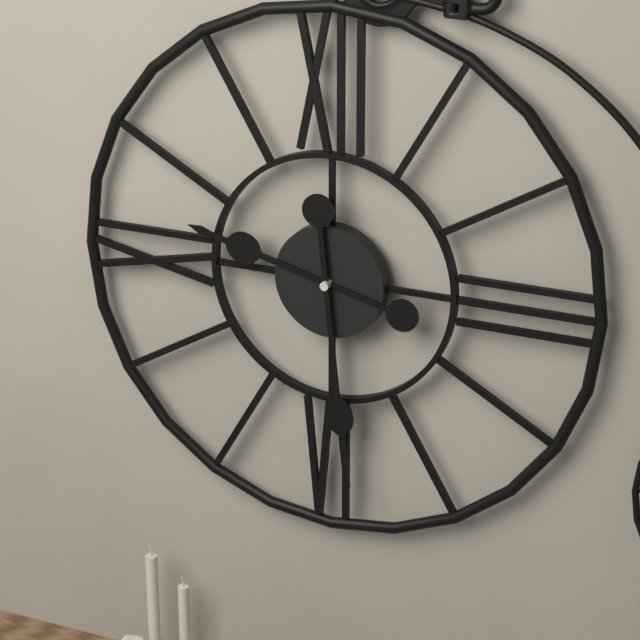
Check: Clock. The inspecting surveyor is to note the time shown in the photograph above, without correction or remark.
9:29
